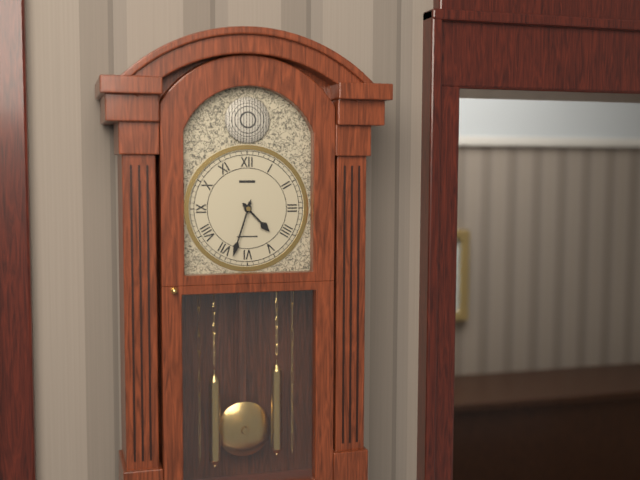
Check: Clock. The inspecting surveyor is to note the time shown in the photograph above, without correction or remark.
4:33
